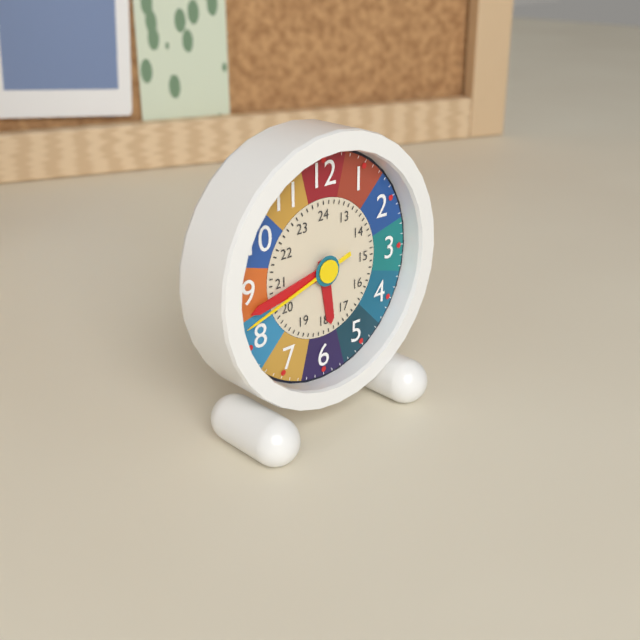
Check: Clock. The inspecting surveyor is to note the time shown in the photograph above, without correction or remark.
5:43:42
